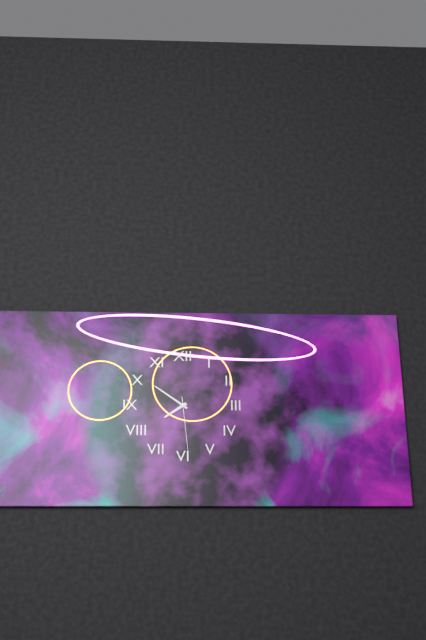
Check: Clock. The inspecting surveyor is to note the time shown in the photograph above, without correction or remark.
7:51:29
